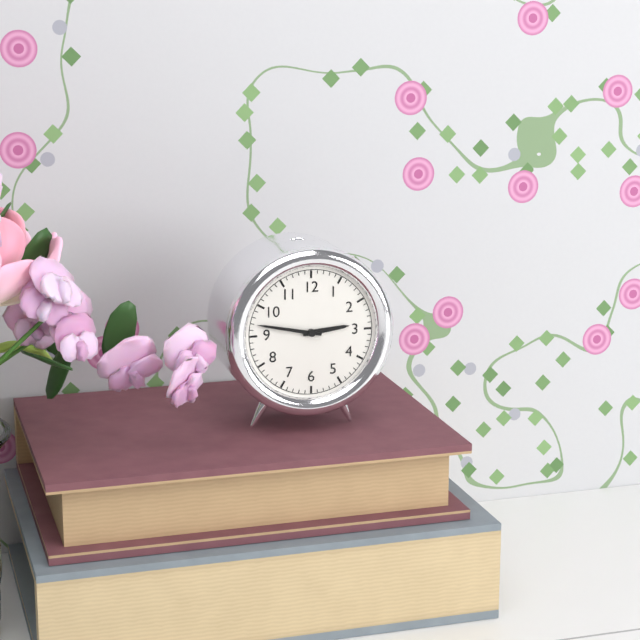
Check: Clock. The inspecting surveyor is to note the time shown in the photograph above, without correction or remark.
2:47
